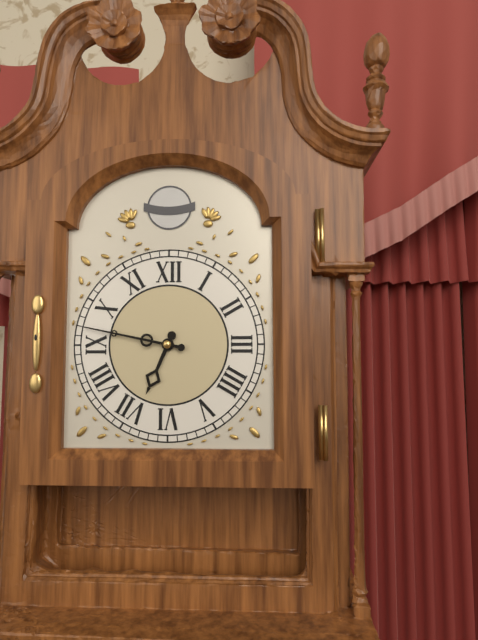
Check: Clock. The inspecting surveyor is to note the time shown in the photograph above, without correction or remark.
6:47
